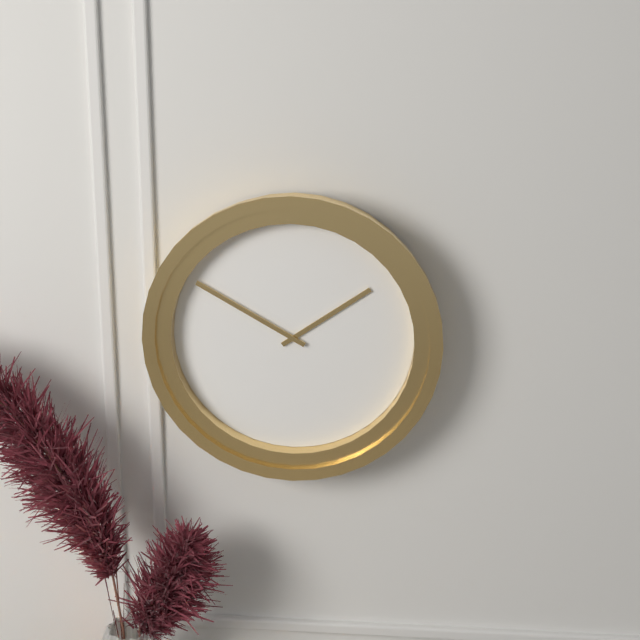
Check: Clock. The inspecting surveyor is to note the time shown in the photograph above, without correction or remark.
1:50
